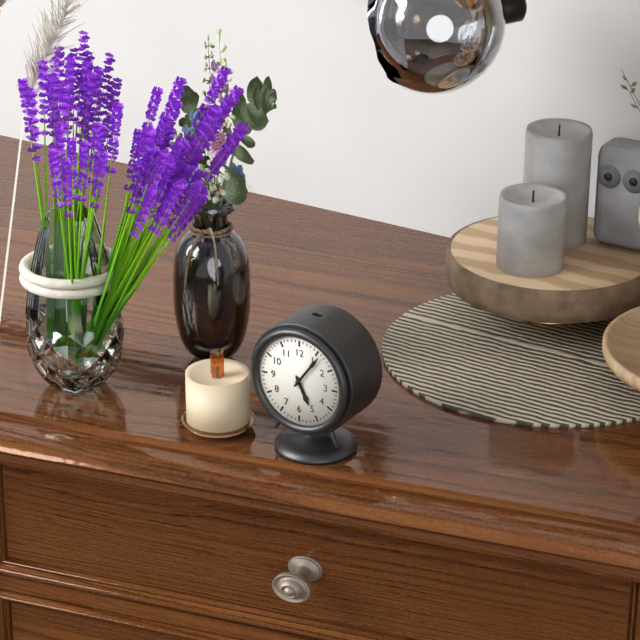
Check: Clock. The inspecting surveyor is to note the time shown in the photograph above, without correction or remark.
5:06
